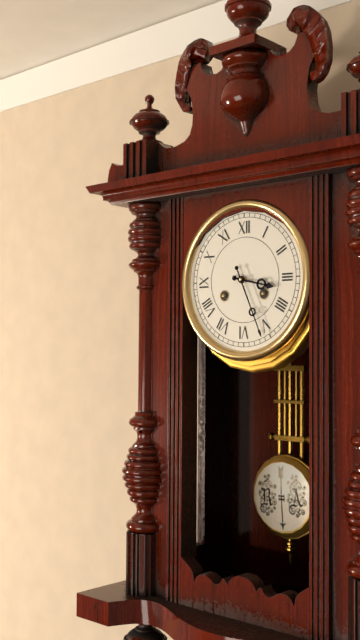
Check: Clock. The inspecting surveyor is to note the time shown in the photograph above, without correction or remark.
3:26
